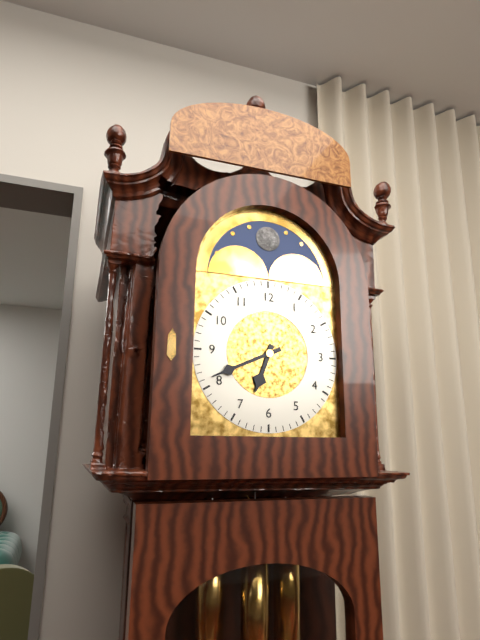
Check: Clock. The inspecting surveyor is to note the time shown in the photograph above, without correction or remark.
6:41
